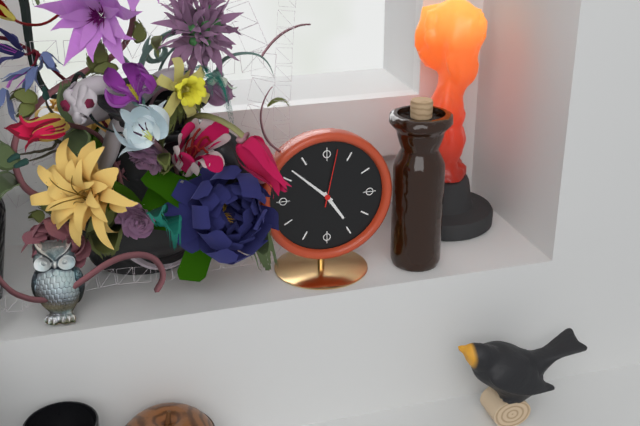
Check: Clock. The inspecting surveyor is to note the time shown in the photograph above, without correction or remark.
4:52:02
